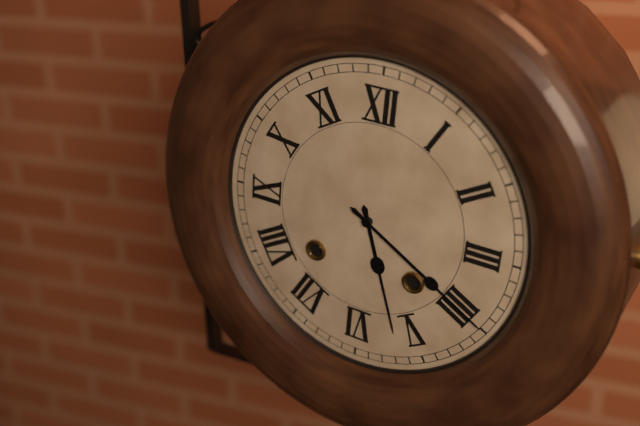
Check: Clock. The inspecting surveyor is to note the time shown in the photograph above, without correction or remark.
5:20
